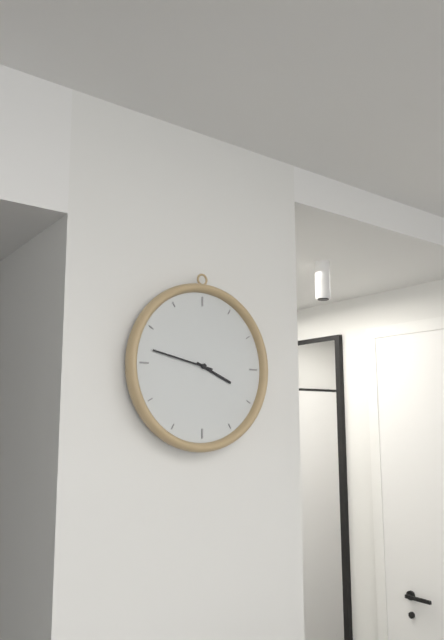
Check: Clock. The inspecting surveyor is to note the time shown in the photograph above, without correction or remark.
3:47
